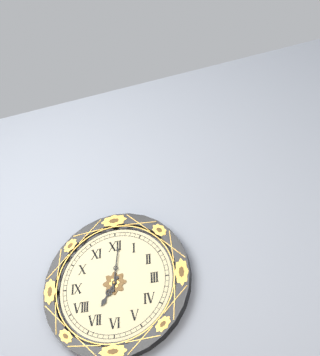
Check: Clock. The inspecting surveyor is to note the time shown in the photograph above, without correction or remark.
7:01
